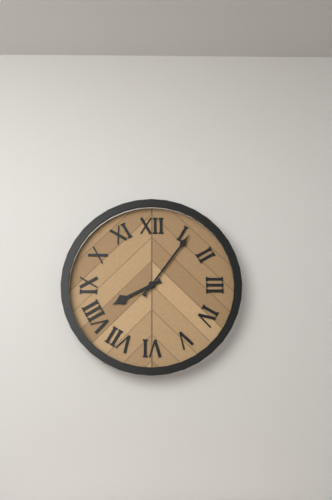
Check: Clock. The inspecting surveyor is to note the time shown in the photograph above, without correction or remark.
8:06
